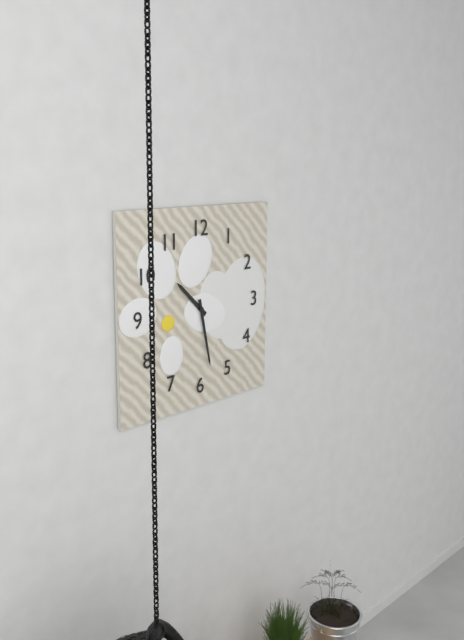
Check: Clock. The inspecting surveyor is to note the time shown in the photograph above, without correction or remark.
10:28
